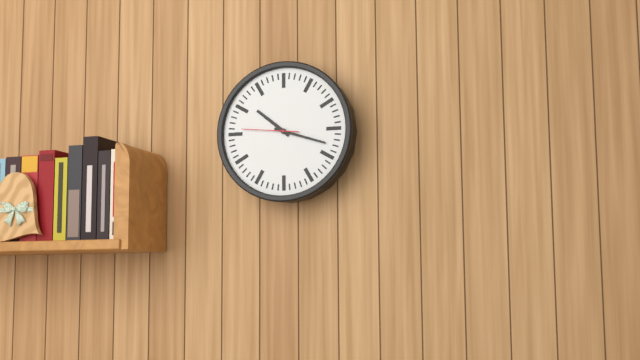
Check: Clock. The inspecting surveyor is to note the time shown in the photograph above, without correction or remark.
10:18:46
